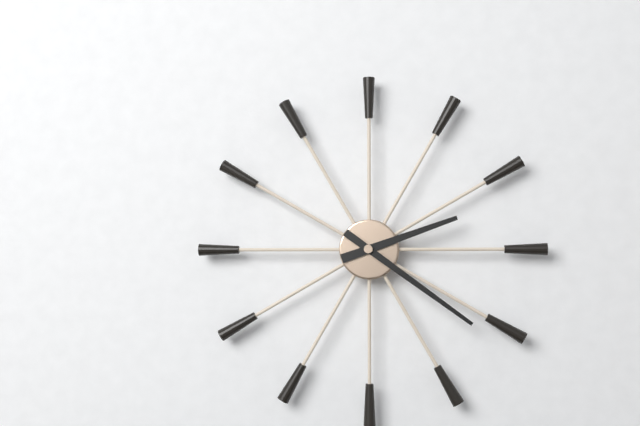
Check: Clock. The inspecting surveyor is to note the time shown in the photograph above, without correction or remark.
2:21
